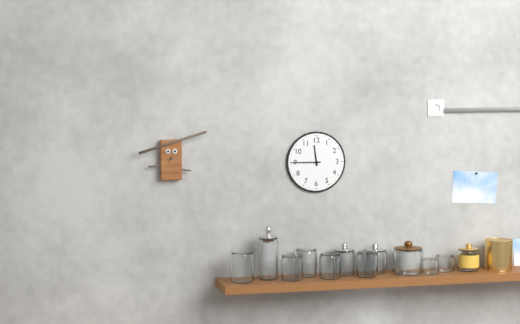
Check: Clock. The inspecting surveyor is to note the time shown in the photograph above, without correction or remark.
11:45
